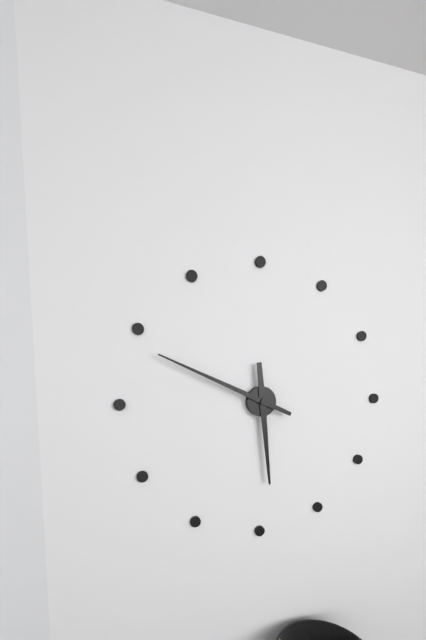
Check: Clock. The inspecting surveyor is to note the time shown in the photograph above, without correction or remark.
5:49
